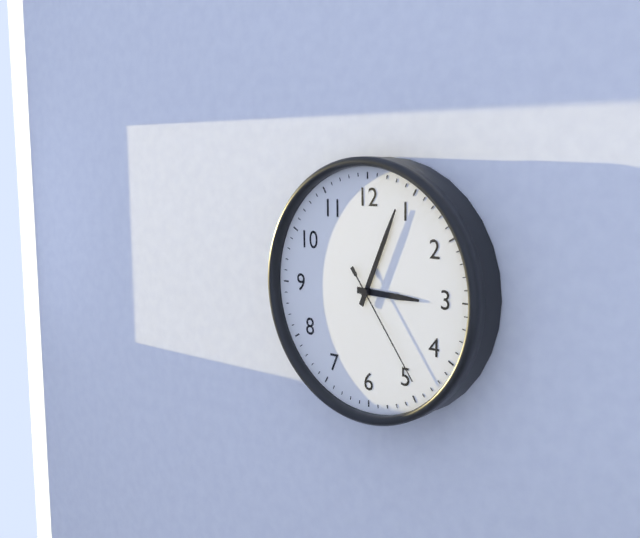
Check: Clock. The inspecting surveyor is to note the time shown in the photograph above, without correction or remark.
3:04:24
